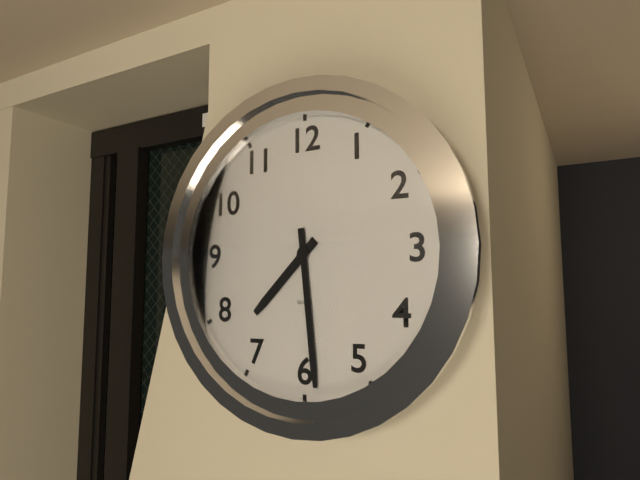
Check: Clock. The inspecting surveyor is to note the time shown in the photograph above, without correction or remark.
7:29
